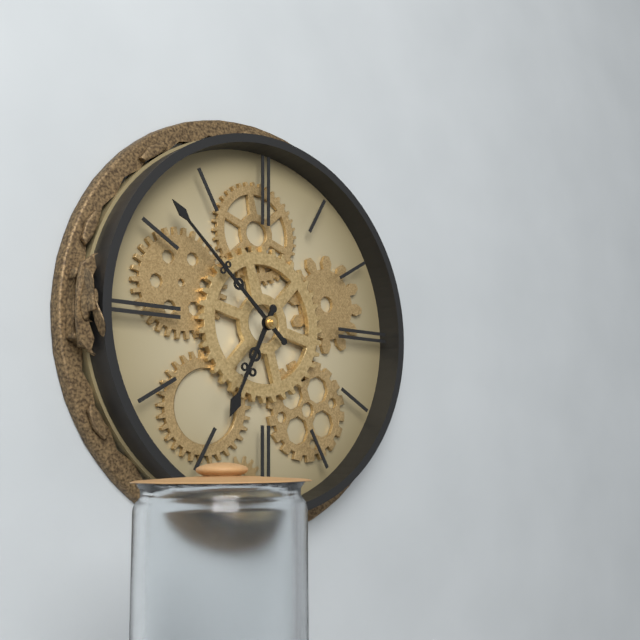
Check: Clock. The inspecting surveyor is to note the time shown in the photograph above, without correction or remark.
6:52
